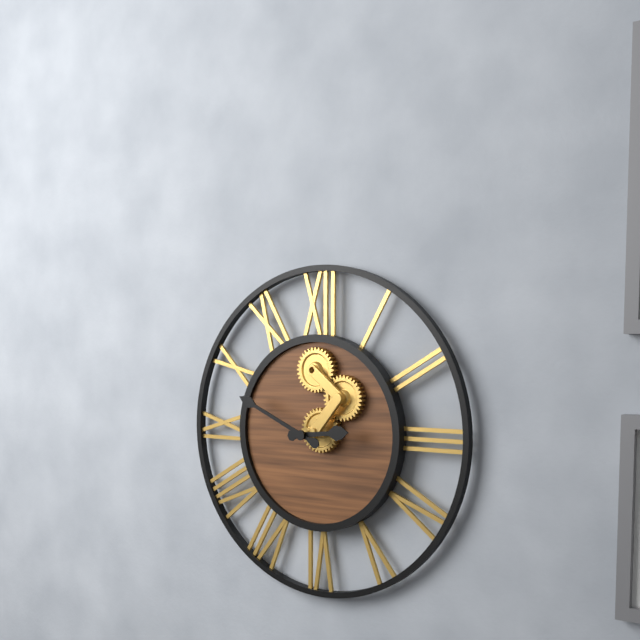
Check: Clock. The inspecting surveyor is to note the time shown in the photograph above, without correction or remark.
2:49
